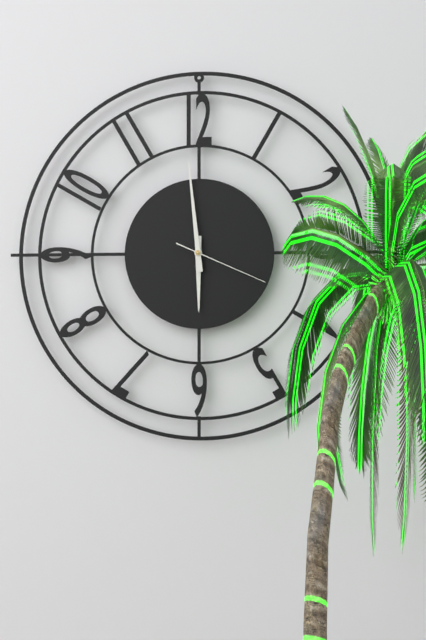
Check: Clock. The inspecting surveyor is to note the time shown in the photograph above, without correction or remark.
5:59:19
